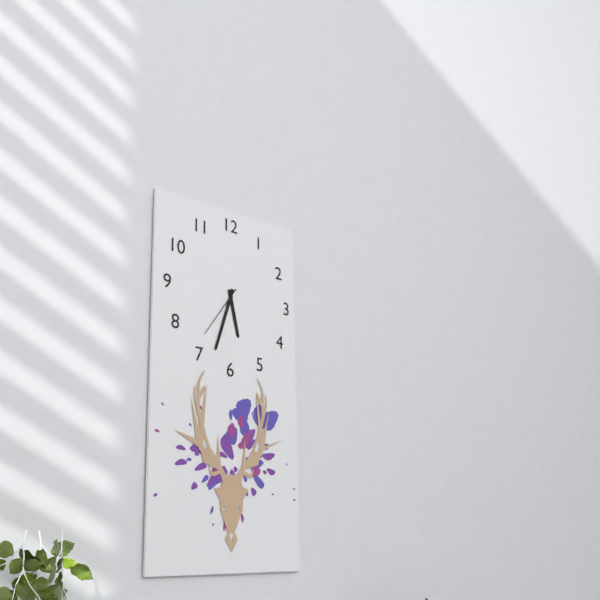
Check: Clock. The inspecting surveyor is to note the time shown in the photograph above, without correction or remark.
5:33:36
